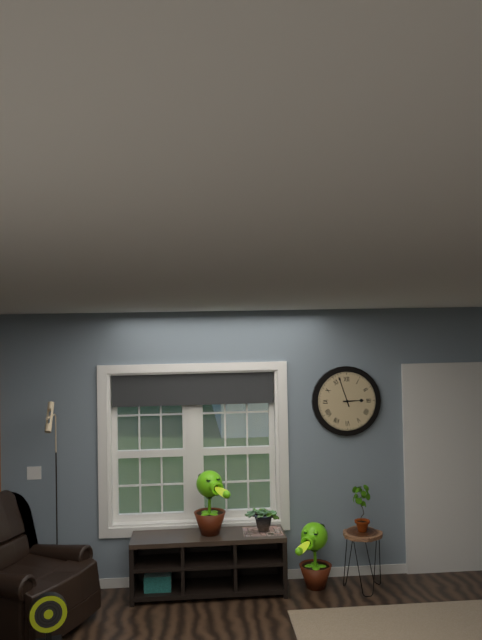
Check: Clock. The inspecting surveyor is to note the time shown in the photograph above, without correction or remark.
2:57
